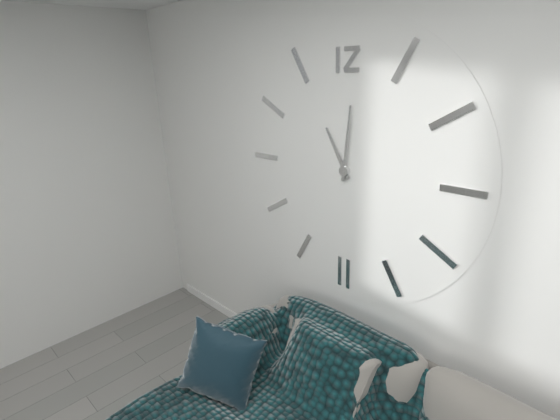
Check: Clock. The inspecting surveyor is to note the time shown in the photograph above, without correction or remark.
11:01
